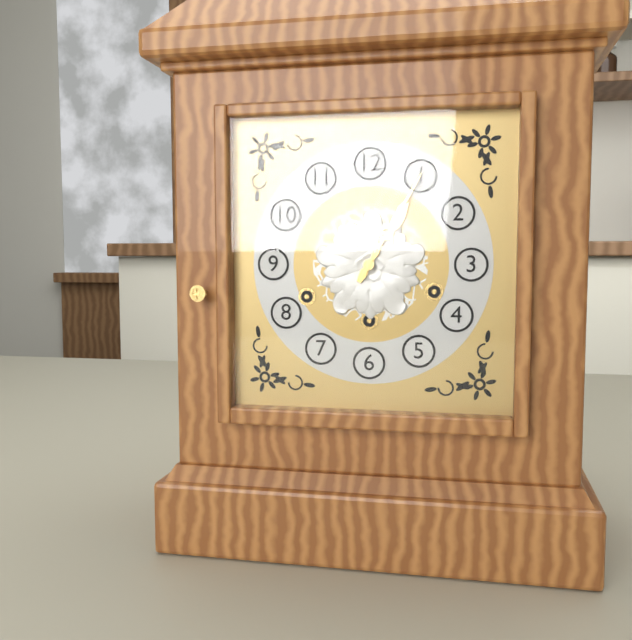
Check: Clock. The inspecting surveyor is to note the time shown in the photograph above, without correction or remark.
1:05
